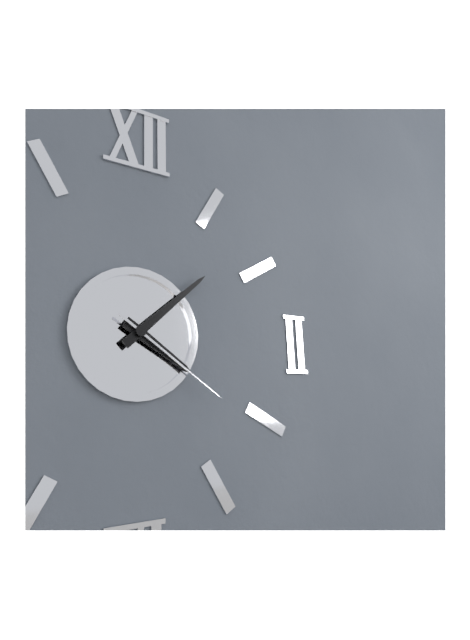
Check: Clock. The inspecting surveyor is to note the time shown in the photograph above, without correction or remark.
4:08:21
